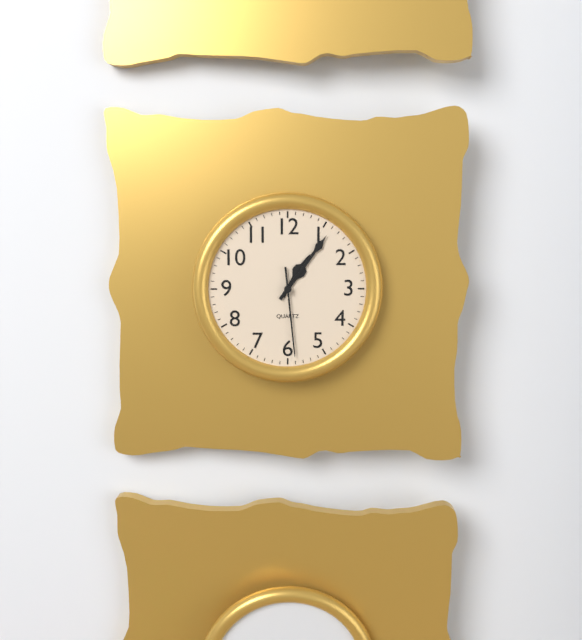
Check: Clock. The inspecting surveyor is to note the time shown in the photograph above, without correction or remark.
1:06:29
